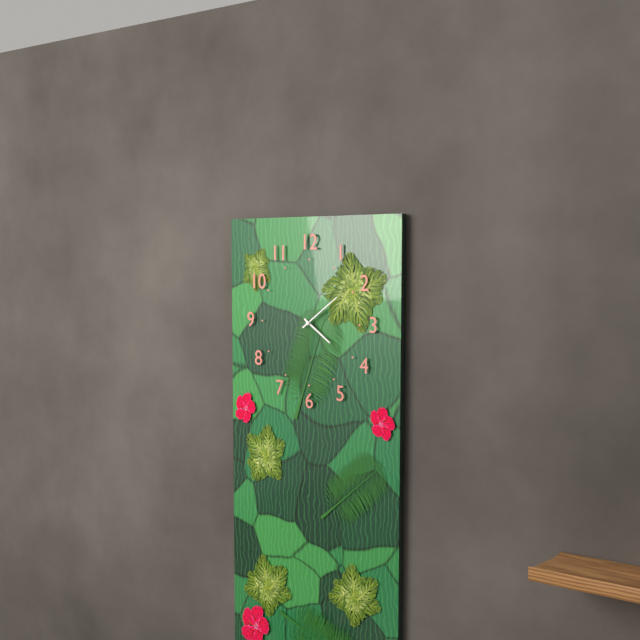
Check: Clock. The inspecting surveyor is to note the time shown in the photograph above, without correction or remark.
4:09
